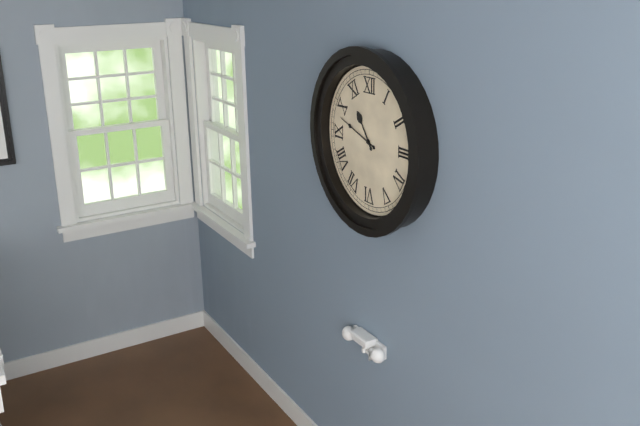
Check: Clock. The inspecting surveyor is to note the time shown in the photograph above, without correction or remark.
10:48
